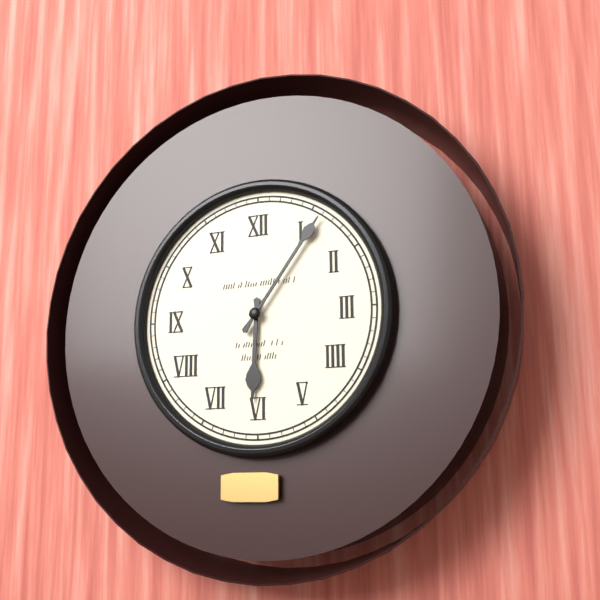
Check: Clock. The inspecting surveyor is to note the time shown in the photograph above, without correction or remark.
6:06
